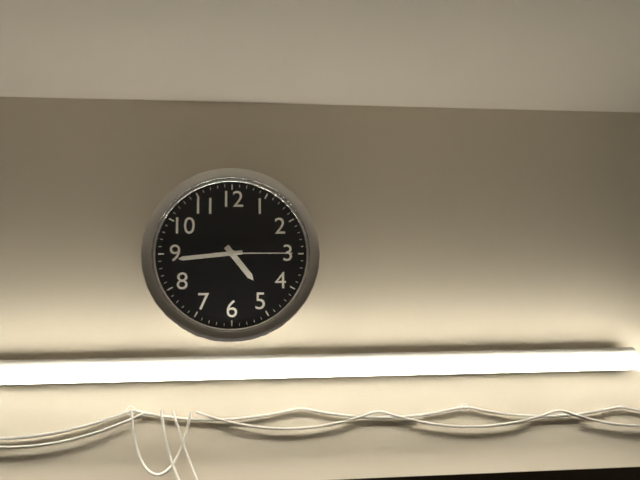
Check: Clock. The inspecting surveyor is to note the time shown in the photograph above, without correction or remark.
4:44:15
